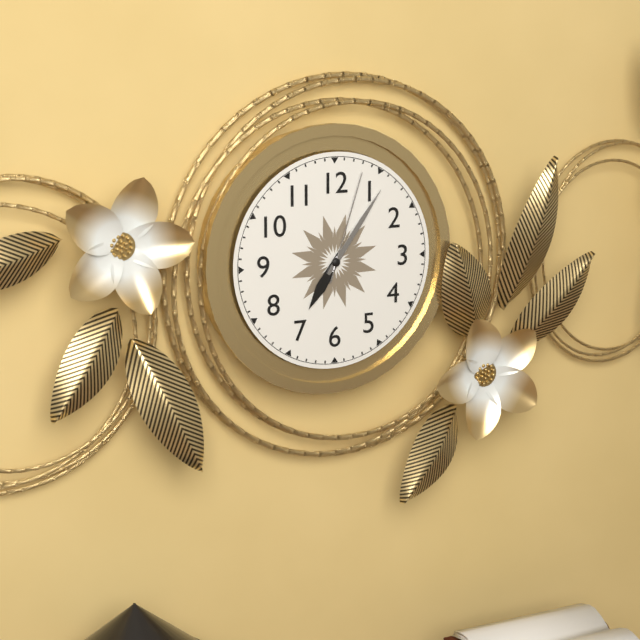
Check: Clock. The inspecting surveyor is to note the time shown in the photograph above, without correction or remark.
7:06:03
